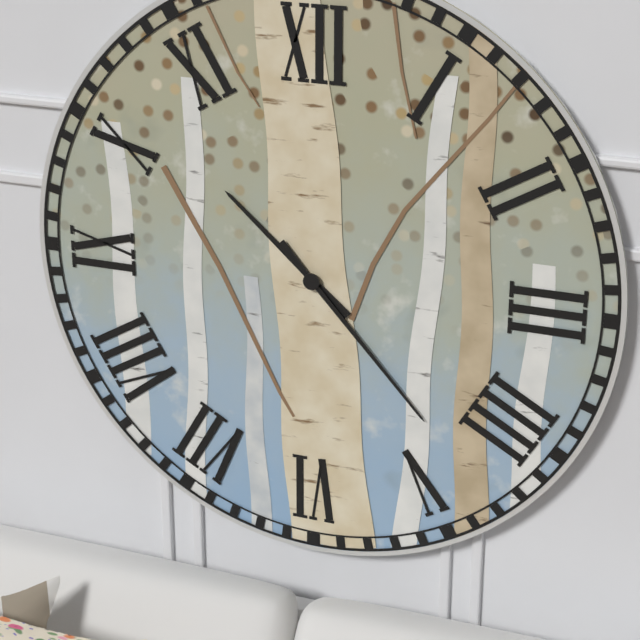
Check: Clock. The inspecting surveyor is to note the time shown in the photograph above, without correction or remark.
10:23
